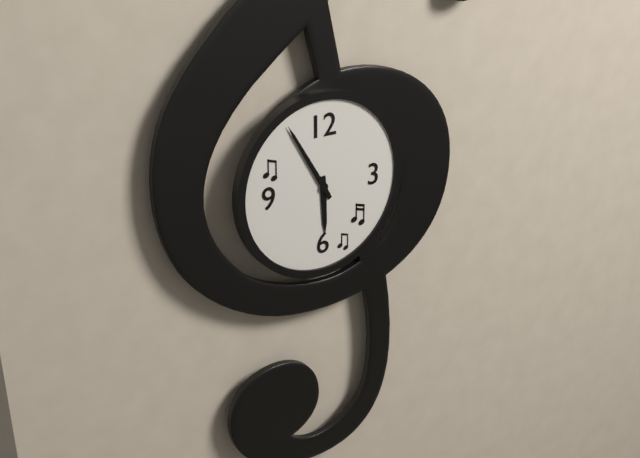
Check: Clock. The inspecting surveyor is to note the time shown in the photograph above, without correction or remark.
5:55
